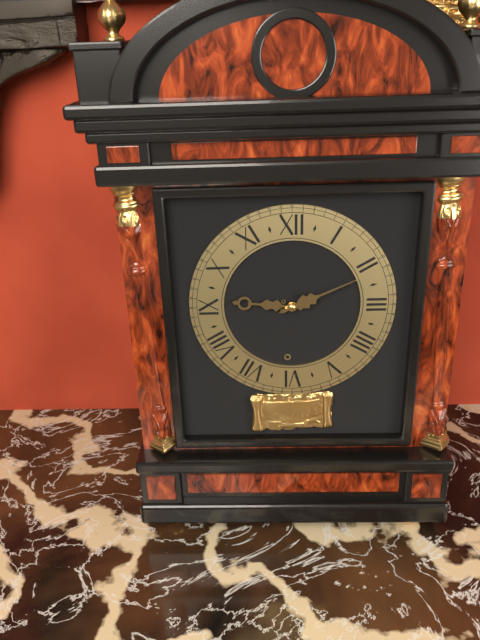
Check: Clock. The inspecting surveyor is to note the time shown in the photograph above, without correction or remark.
9:11
